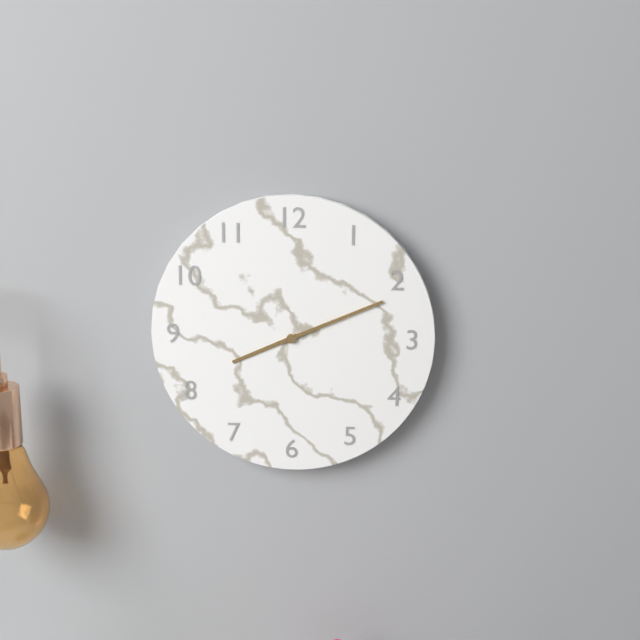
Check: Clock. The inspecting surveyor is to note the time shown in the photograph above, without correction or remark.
8:11
